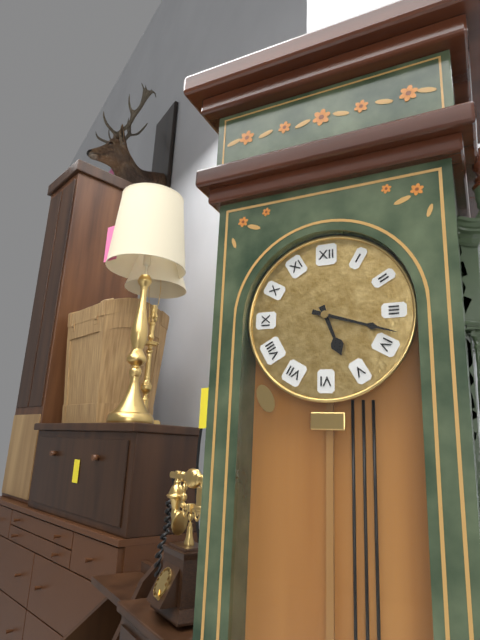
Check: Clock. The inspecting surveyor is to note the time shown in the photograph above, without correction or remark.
5:18
